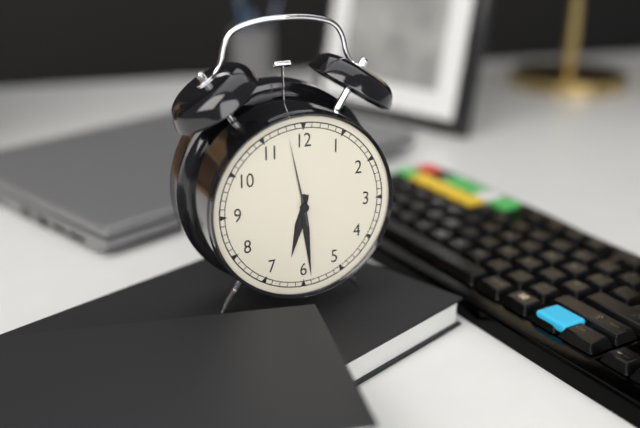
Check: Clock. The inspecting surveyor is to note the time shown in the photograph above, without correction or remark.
6:29:58
